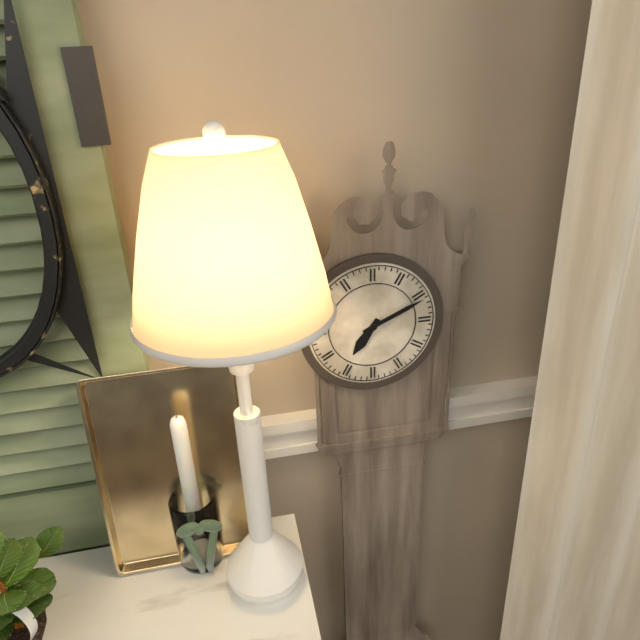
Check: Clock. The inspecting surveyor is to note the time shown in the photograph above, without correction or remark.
7:11
